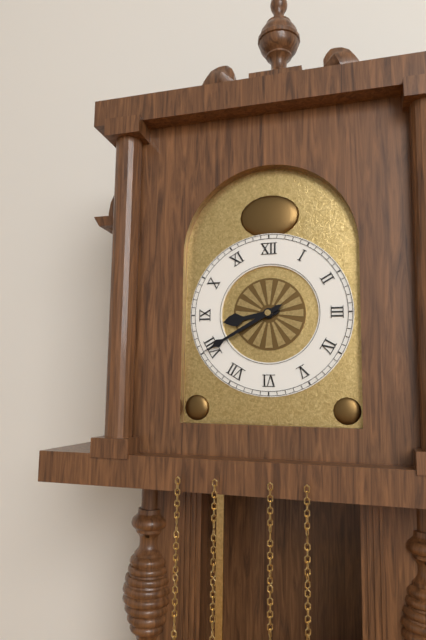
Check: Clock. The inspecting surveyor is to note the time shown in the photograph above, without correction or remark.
8:40
